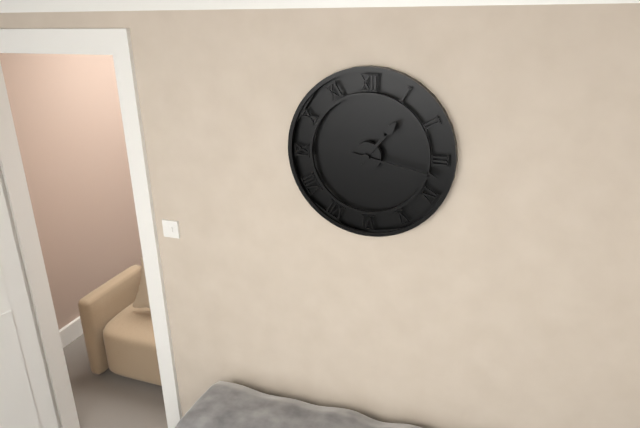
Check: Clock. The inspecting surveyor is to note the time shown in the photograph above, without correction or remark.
1:17
